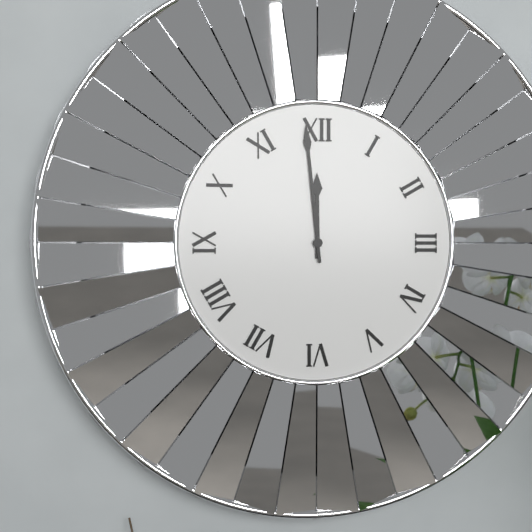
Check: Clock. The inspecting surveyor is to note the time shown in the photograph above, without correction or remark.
11:59
